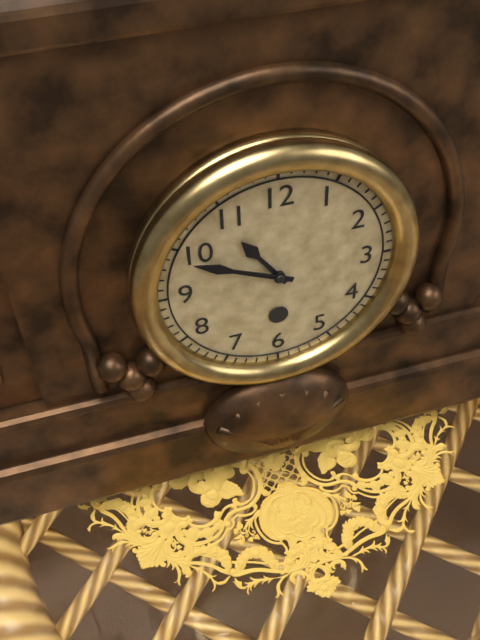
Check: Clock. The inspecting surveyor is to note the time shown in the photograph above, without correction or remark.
10:49
